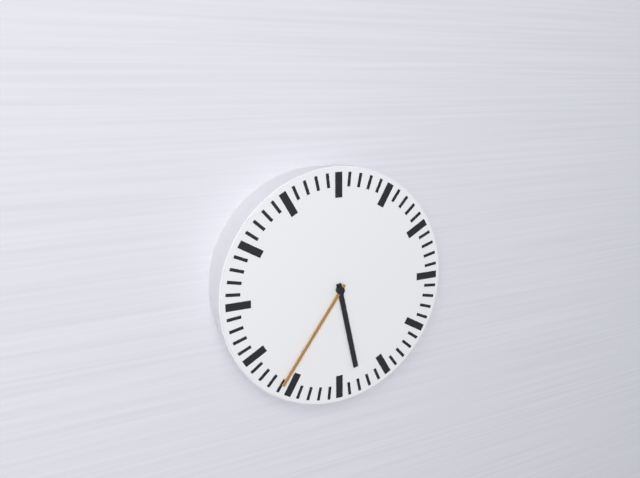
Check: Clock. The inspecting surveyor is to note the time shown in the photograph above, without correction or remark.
5:36
